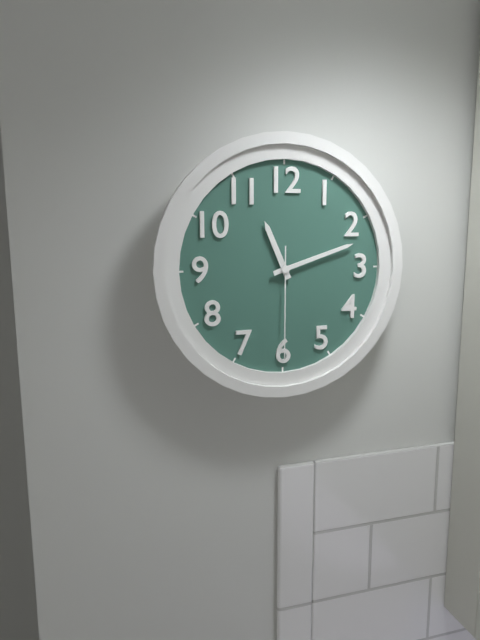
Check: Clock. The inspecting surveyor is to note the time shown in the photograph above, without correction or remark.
11:12:30
